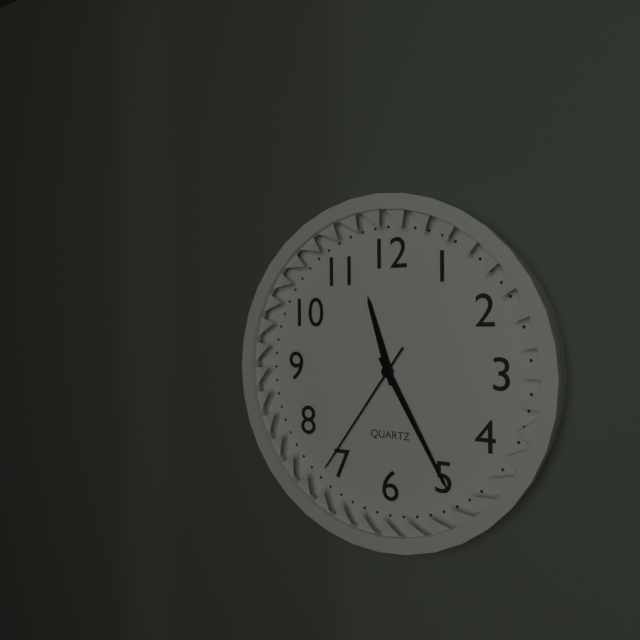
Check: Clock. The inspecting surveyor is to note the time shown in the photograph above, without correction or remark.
11:25:36
